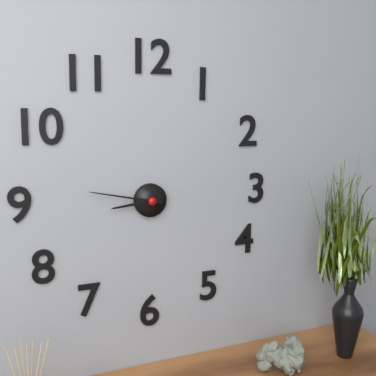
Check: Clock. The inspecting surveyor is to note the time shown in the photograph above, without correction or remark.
8:47
